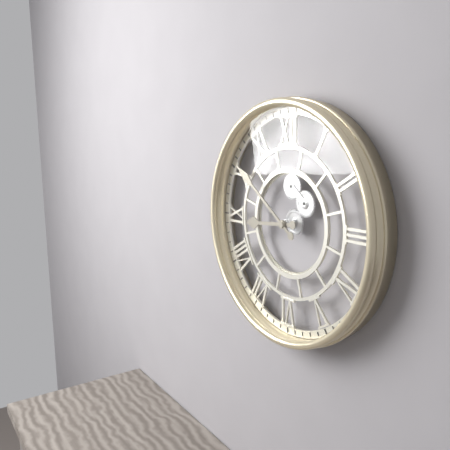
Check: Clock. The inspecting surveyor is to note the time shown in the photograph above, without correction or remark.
8:51
